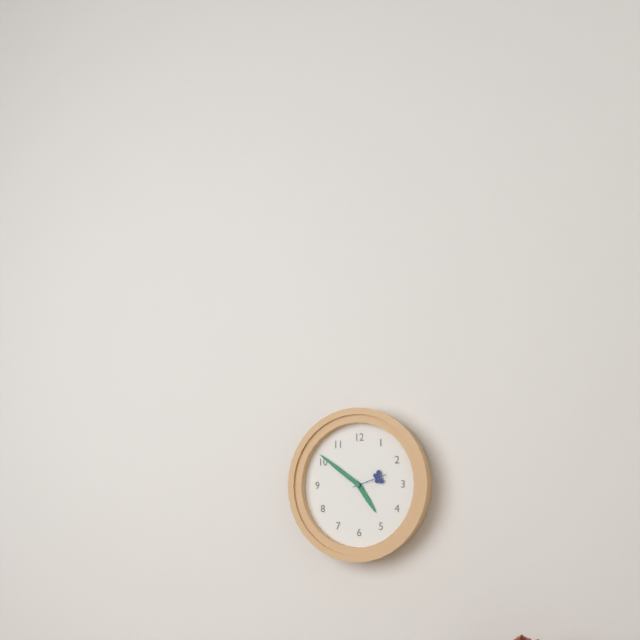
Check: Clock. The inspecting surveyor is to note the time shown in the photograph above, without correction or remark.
4:51
